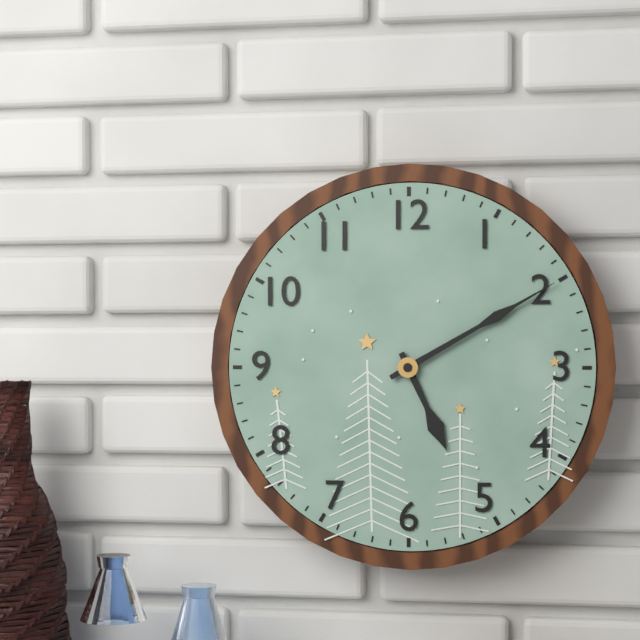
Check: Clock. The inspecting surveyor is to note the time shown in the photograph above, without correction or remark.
5:10
